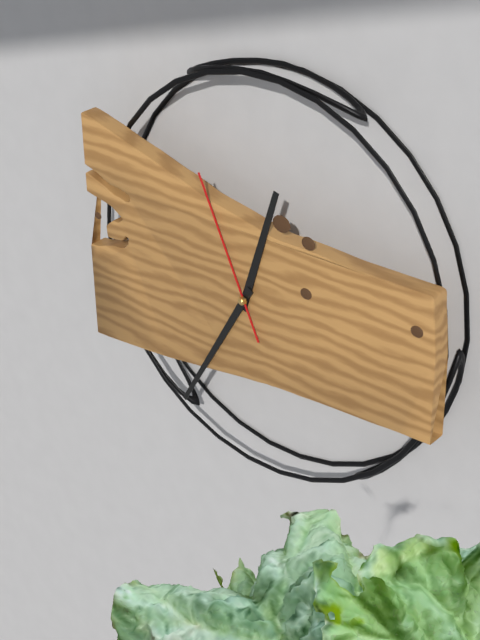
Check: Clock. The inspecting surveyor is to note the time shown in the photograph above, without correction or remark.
12:35:56
